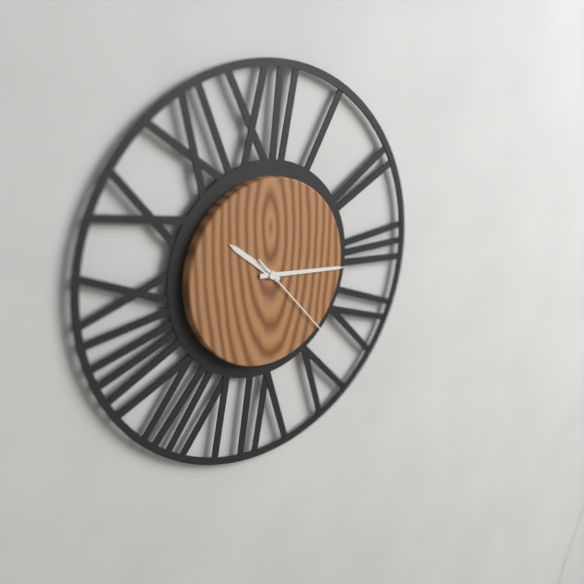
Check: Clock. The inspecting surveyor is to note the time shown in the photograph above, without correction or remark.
10:16:23
